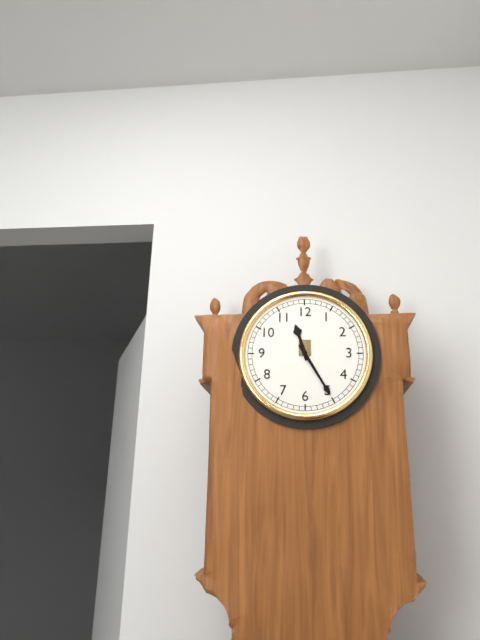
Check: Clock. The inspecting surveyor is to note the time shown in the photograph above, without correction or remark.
11:25
